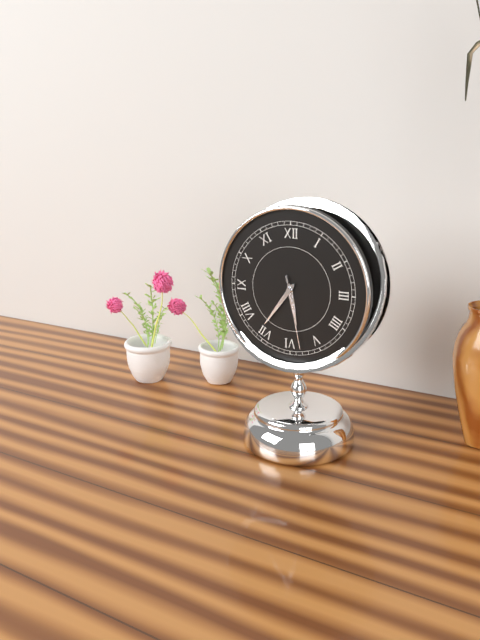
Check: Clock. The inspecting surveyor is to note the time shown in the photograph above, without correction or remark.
5:36:28
